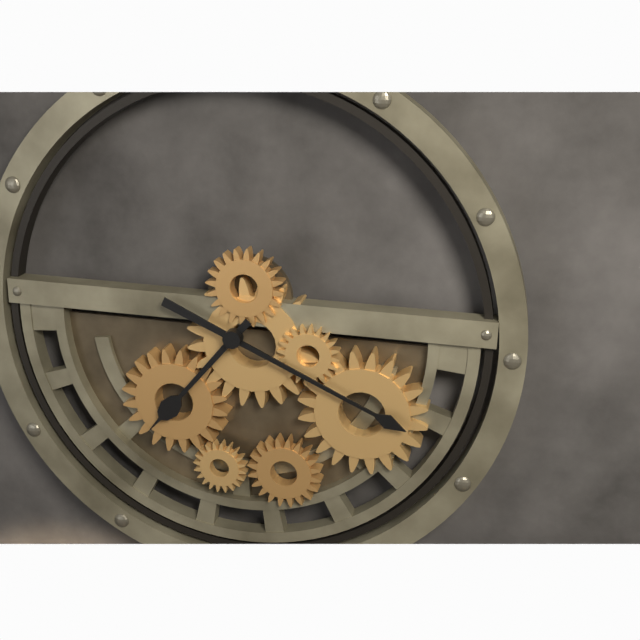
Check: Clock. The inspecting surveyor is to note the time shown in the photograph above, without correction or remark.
7:19
